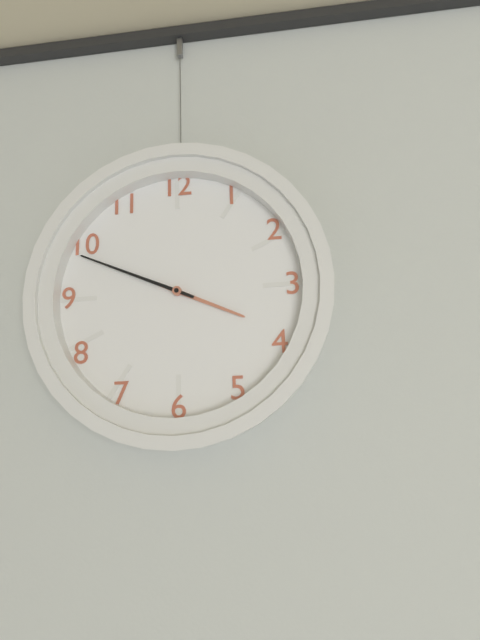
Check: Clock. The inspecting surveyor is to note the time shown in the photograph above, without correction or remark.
3:49
